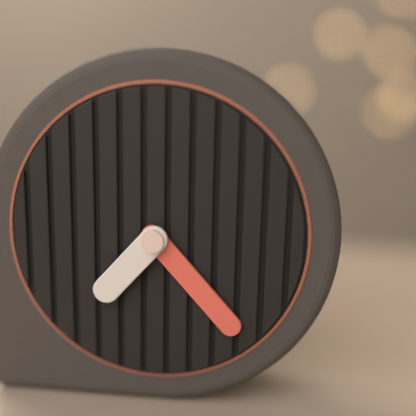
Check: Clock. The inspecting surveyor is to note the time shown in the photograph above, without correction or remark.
7:23
